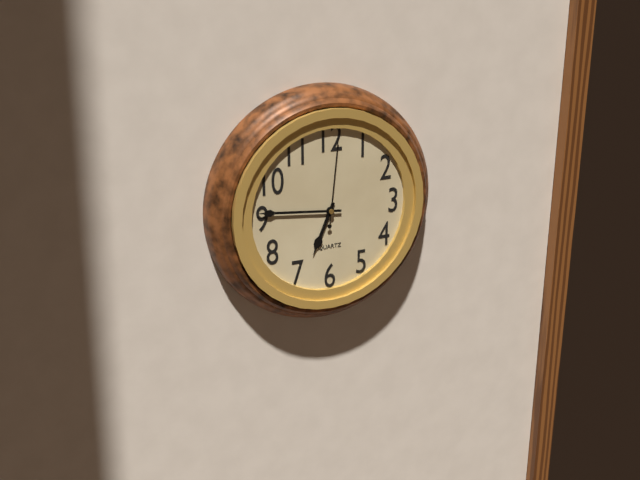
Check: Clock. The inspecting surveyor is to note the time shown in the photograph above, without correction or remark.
6:46:01
